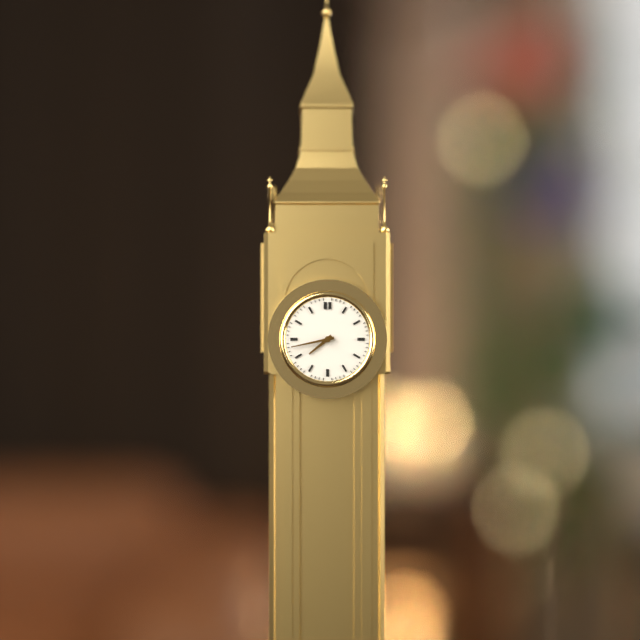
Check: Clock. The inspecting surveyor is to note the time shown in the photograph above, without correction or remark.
7:43
